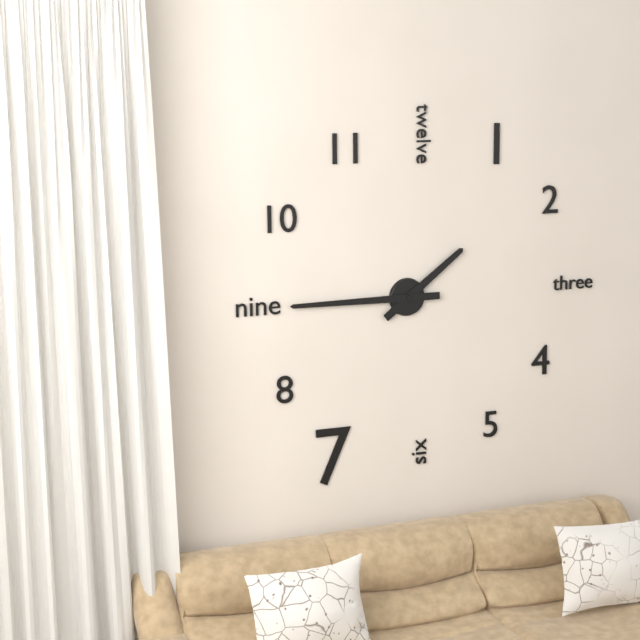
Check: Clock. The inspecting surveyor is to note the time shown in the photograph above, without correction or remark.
1:45
